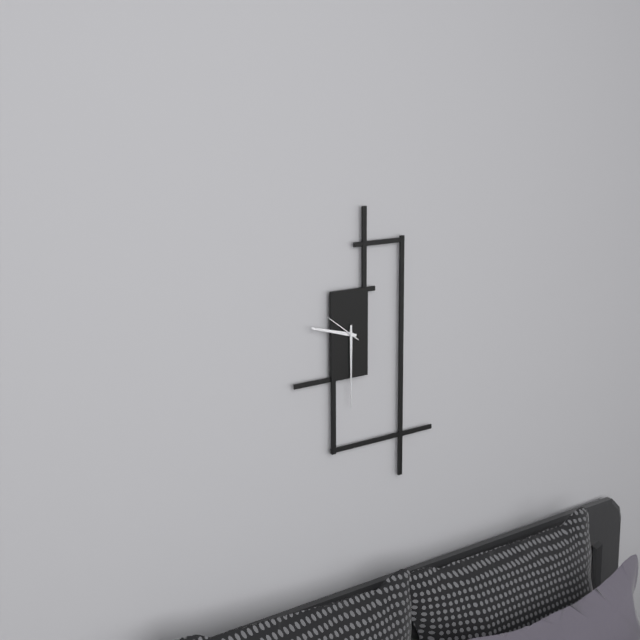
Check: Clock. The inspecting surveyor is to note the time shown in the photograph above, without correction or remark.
9:30
